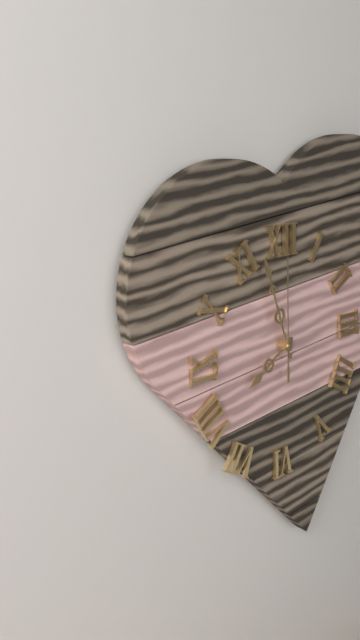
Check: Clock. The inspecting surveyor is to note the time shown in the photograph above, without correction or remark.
7:57:00
